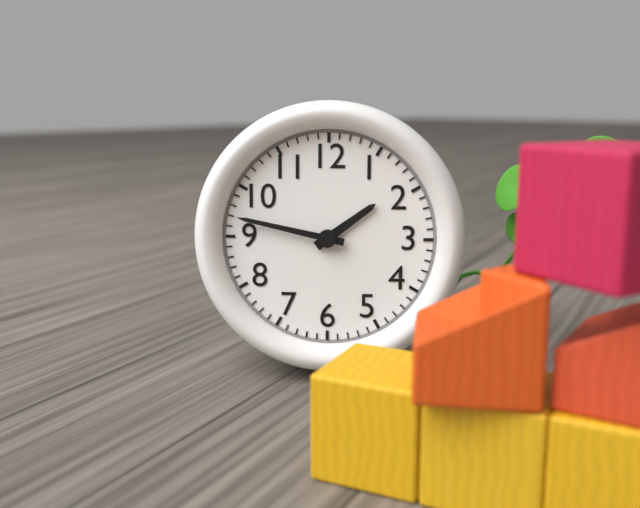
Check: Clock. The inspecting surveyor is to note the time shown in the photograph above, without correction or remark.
1:47
